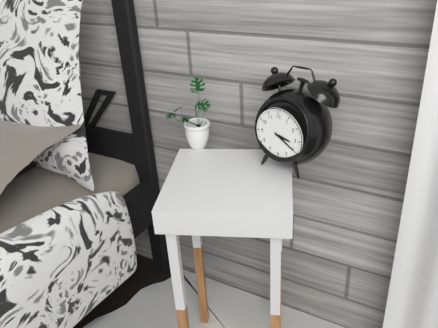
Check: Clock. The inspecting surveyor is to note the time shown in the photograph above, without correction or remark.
3:20
